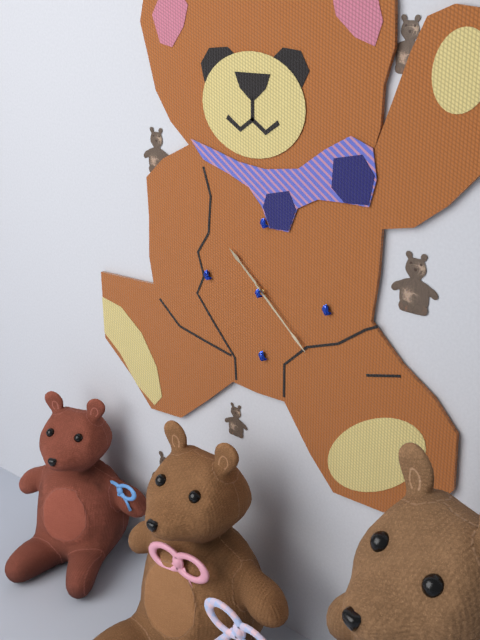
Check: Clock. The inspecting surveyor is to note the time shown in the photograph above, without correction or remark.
10:22
